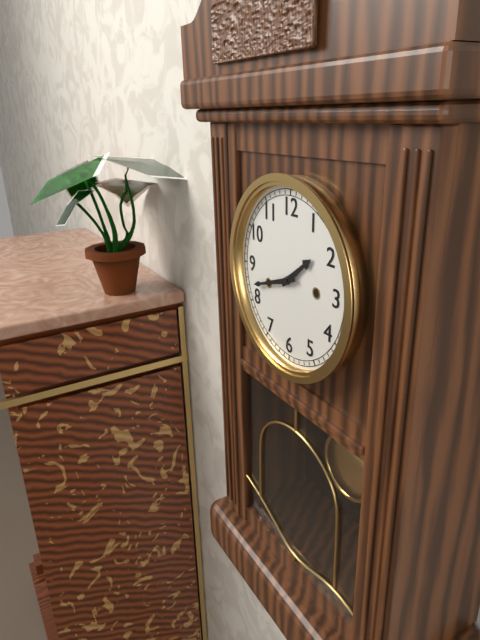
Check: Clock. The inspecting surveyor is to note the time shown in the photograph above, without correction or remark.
1:42
